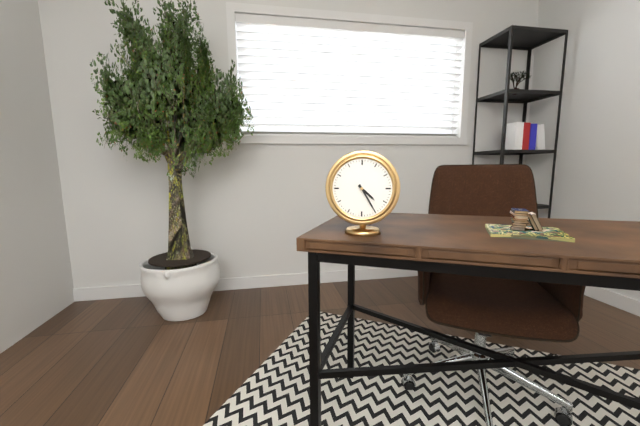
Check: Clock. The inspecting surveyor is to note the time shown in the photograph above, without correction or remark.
4:25
